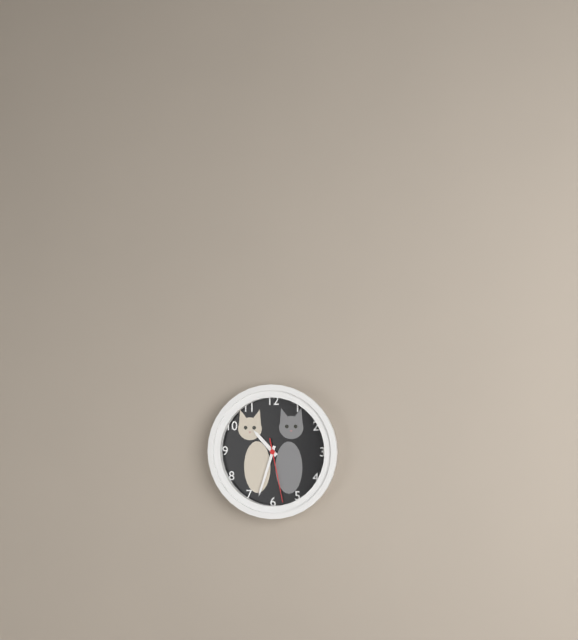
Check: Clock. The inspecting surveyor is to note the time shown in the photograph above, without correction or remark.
10:33:28
